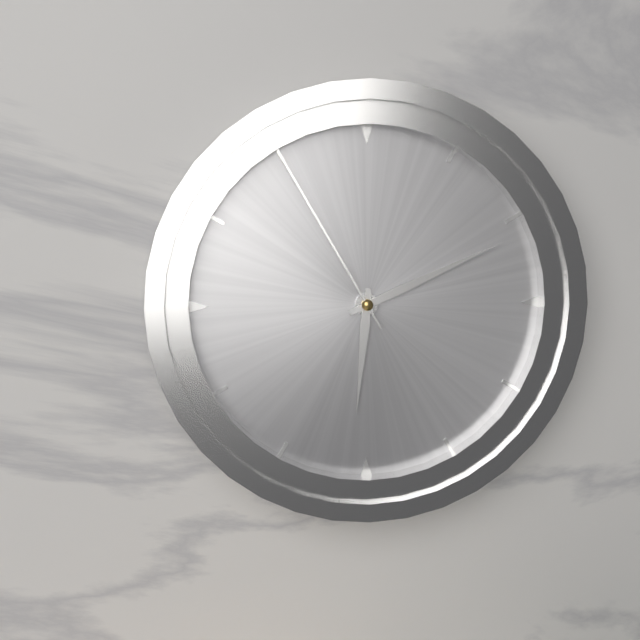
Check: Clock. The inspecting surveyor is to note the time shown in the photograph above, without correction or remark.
6:11:55
